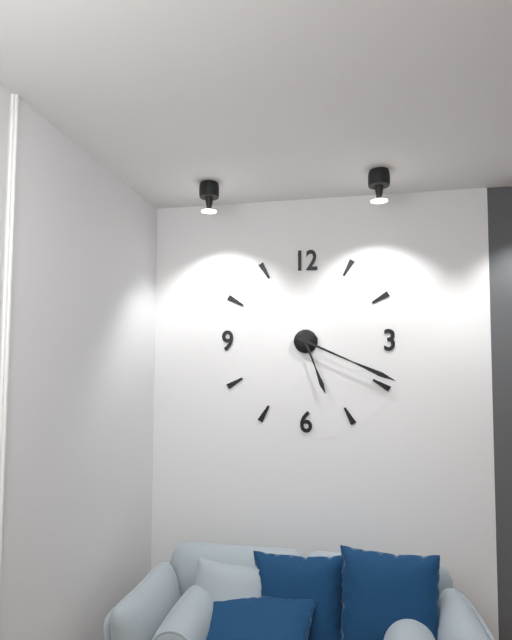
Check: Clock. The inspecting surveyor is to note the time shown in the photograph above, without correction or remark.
5:19
